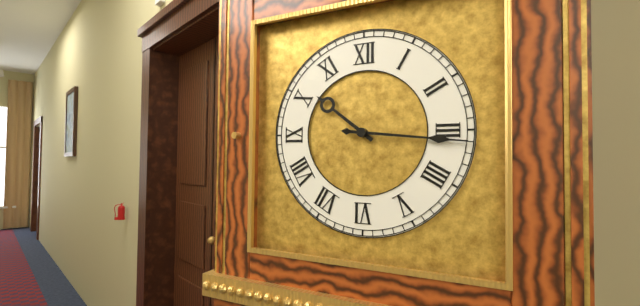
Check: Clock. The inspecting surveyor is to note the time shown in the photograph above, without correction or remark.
10:16
